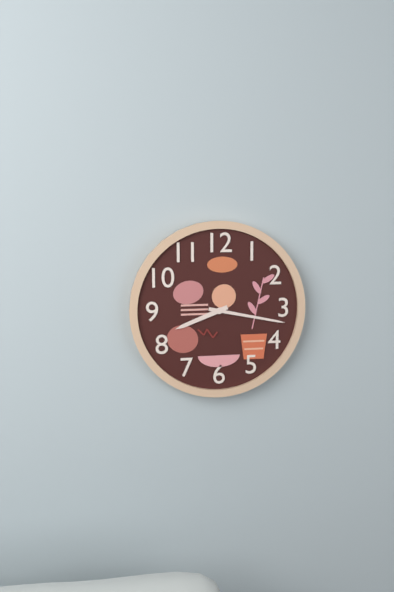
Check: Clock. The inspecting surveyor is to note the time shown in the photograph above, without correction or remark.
8:17
